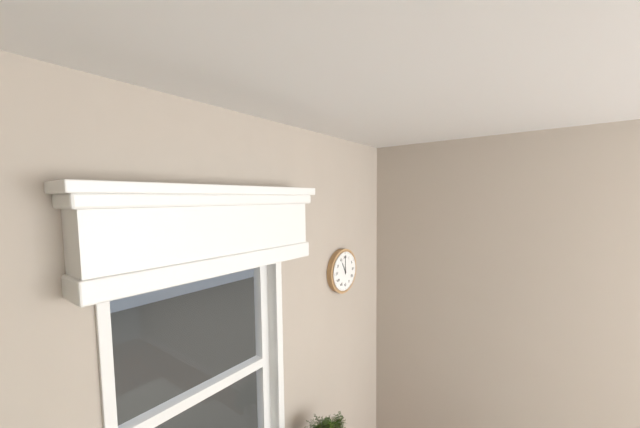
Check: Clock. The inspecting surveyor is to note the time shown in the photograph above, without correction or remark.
11:00
